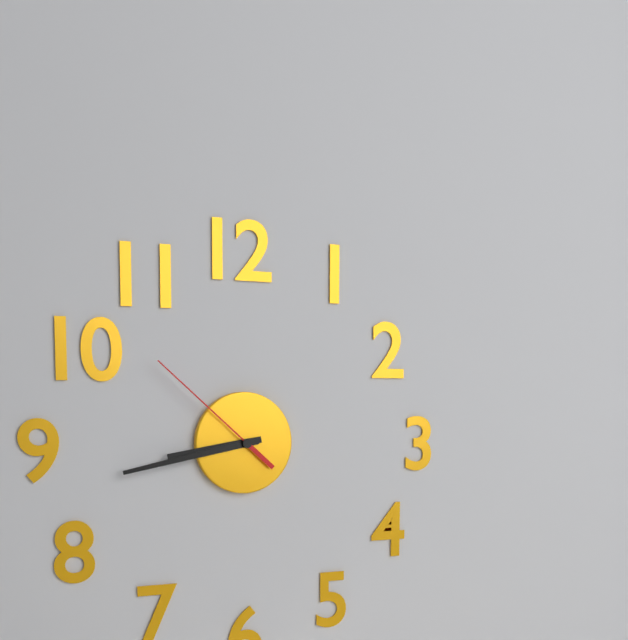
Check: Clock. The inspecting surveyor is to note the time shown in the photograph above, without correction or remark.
8:43:52
